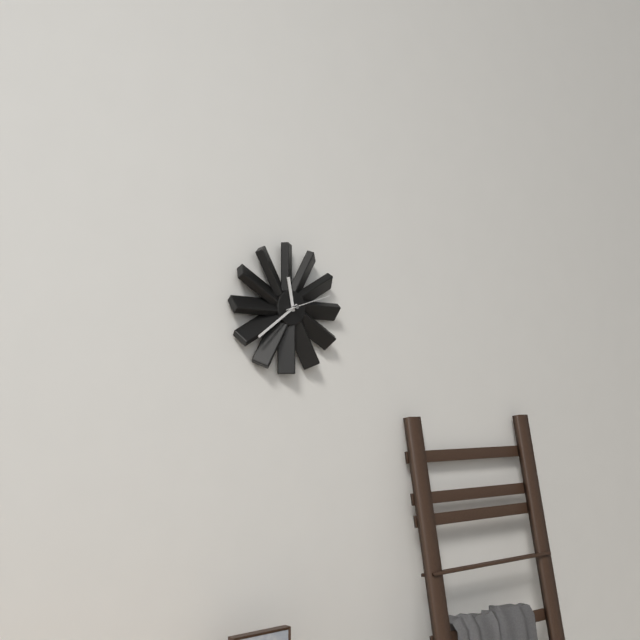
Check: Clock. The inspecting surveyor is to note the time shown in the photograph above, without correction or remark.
11:39
